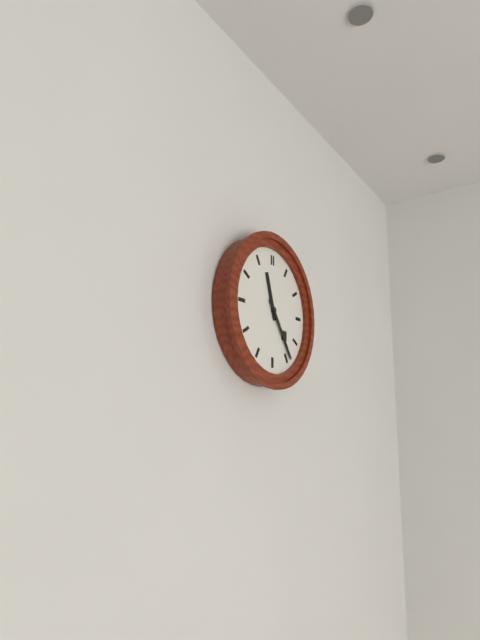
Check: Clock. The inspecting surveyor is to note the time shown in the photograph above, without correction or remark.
11:24
